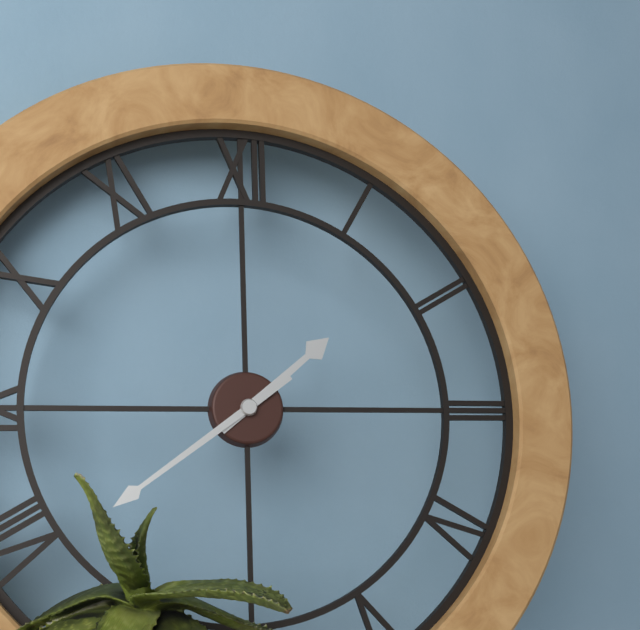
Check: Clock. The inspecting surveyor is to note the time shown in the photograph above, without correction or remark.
1:39
